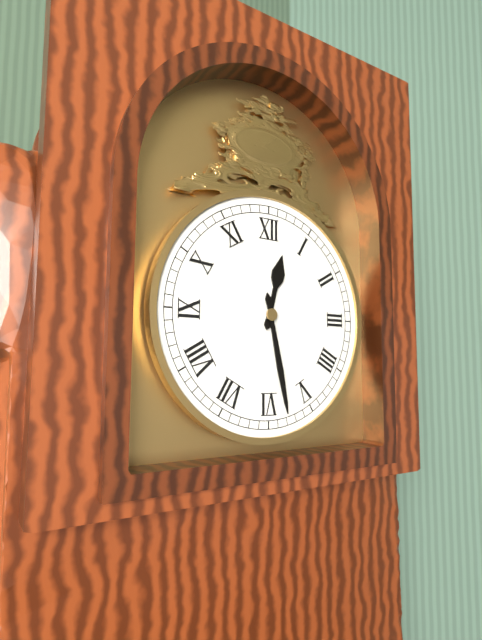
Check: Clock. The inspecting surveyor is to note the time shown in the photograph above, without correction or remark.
12:28
